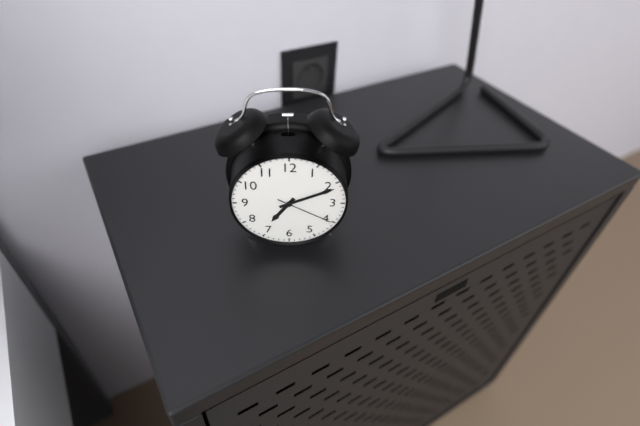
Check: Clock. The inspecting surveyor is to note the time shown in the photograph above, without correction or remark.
7:11:20
